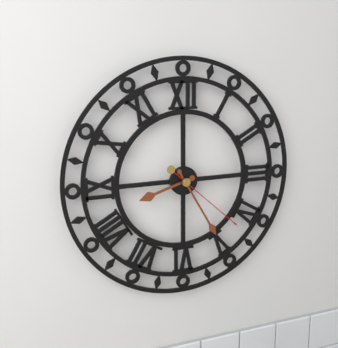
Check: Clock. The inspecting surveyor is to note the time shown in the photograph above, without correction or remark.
8:25:22
